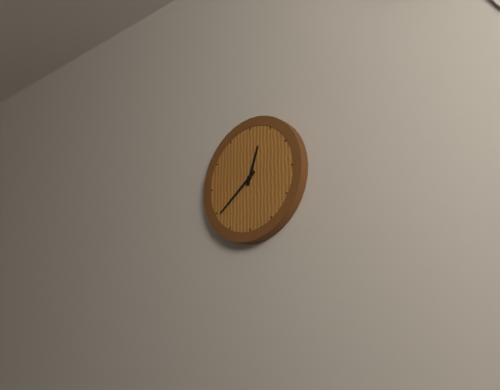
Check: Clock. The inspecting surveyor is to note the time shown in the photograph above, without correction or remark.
12:39
